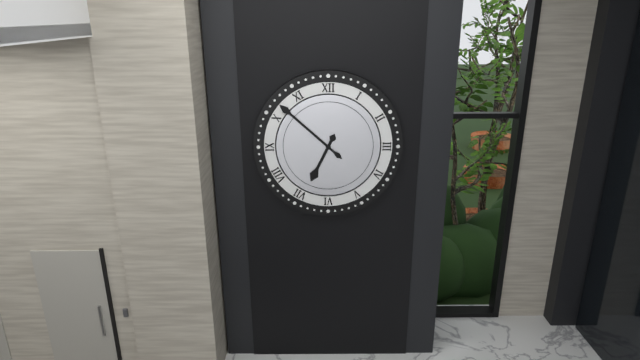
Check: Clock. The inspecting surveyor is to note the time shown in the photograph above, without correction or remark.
6:52
